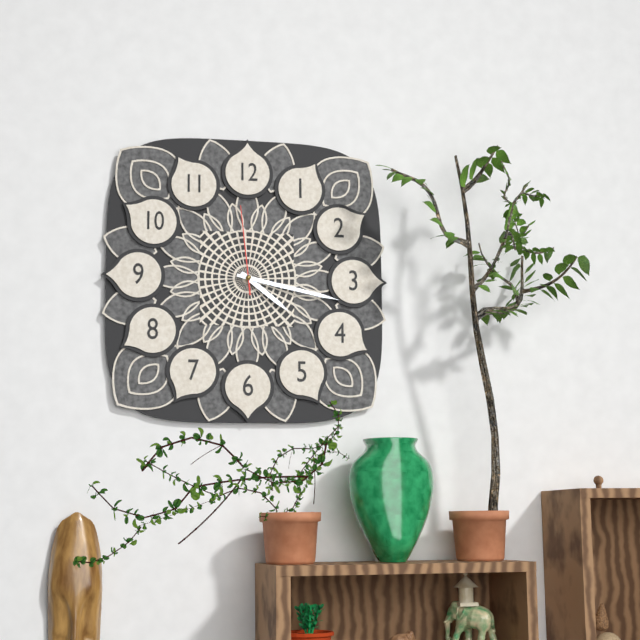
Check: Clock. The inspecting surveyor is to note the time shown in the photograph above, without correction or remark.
4:17:59
